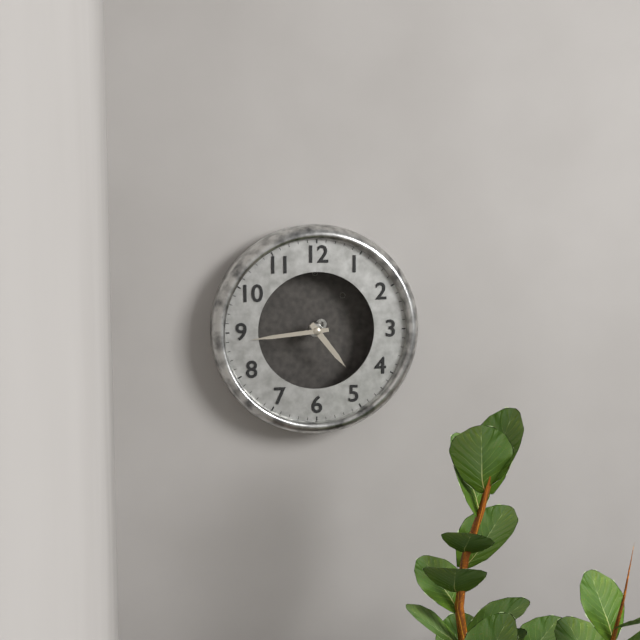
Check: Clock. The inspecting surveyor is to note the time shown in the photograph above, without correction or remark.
4:44
